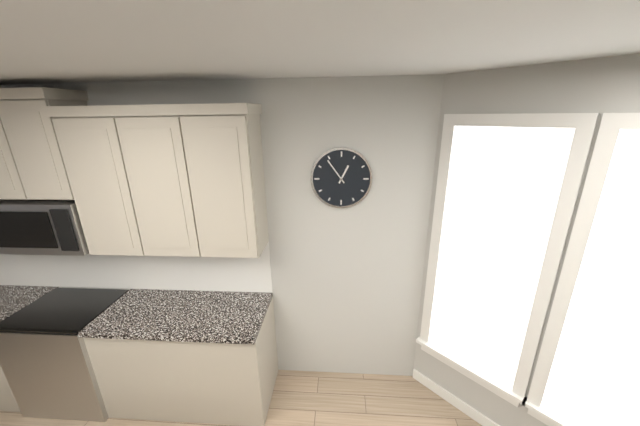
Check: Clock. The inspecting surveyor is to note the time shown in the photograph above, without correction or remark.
12:54
